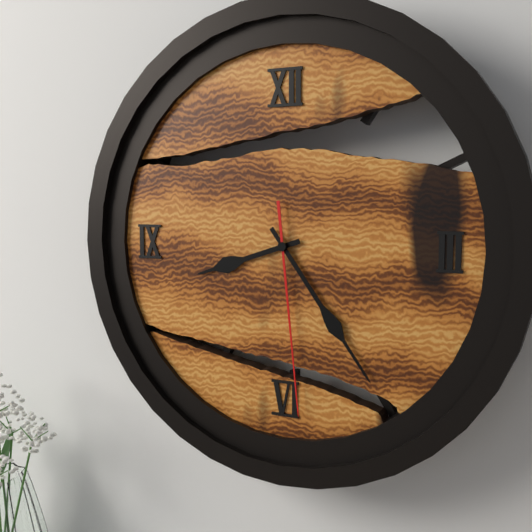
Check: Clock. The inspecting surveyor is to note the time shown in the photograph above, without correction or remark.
8:24:29
